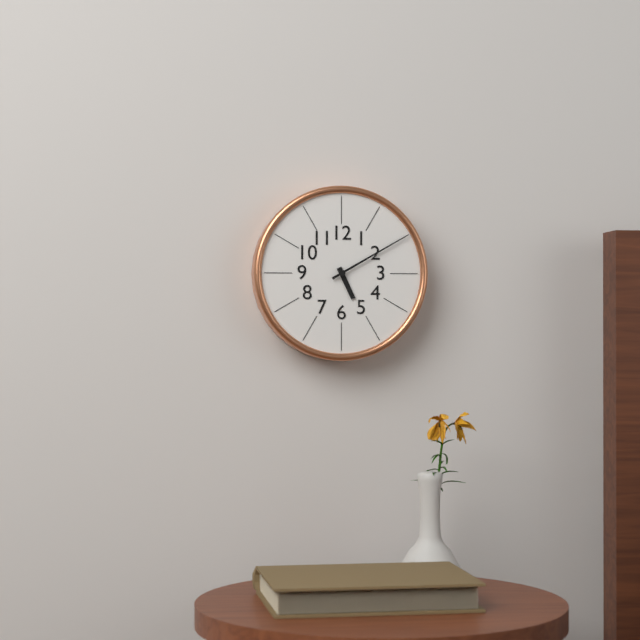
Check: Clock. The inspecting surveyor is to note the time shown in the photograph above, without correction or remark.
5:10
